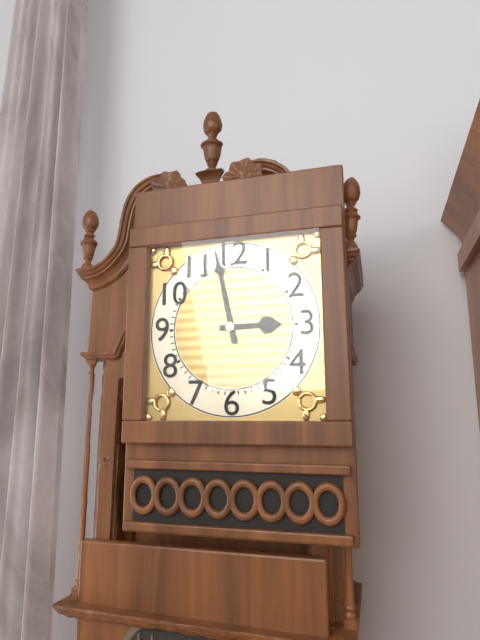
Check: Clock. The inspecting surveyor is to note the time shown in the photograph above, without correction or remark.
2:58
